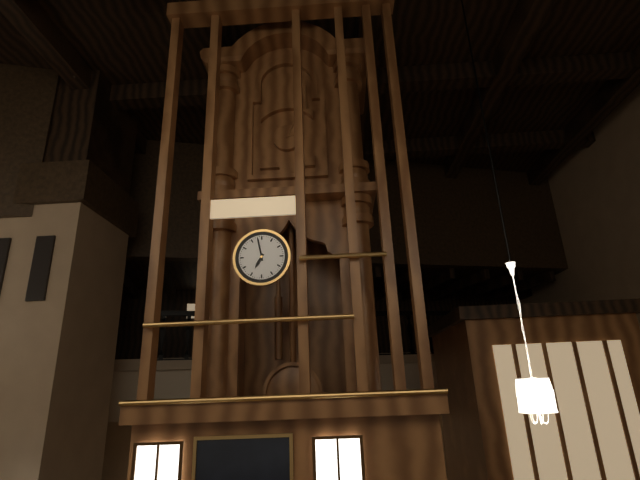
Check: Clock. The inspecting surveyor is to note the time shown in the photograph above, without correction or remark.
6:58
